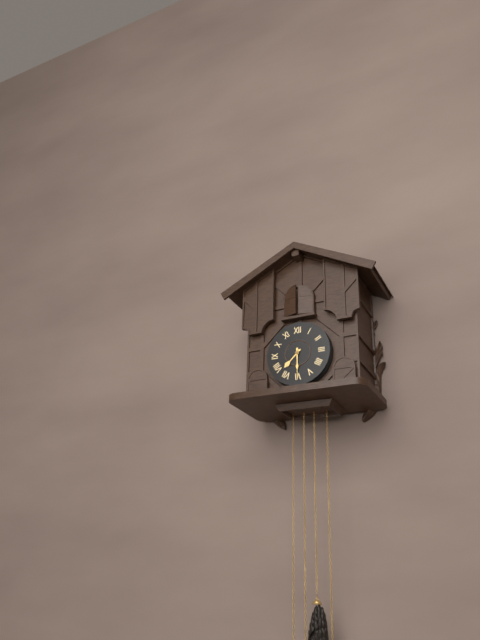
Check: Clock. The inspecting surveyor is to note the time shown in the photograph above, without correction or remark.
7:30
